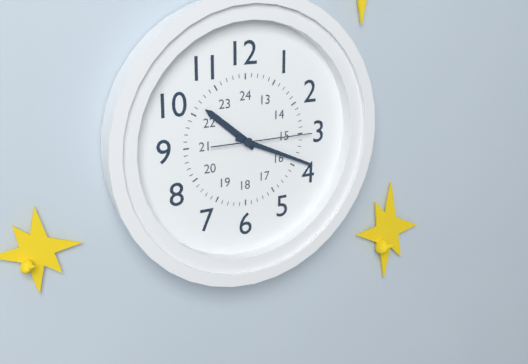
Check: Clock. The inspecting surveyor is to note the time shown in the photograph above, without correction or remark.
10:19:15
